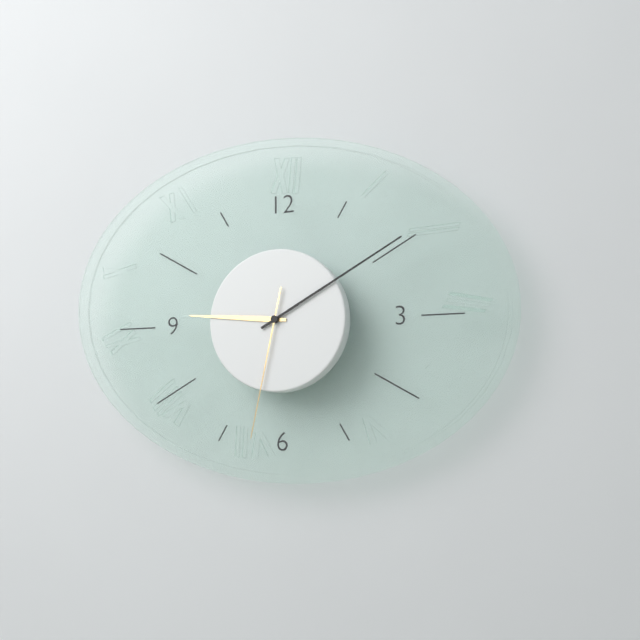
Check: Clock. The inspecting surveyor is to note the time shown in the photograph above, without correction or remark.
9:10:32
